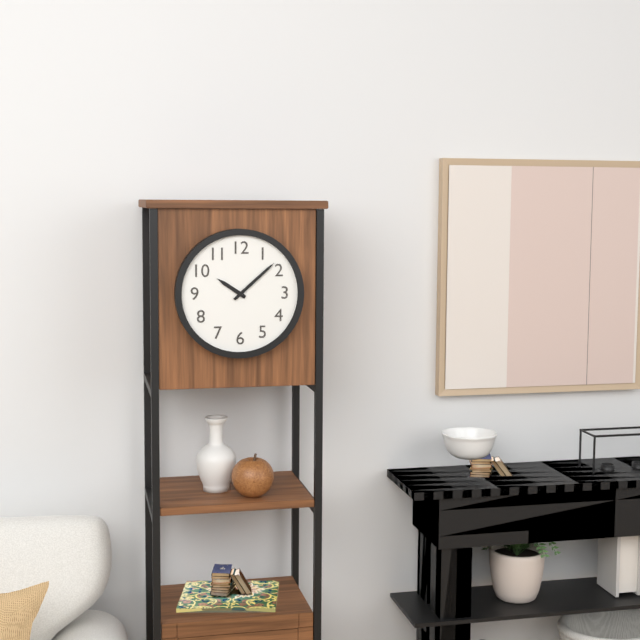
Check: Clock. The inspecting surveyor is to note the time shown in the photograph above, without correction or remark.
10:08
